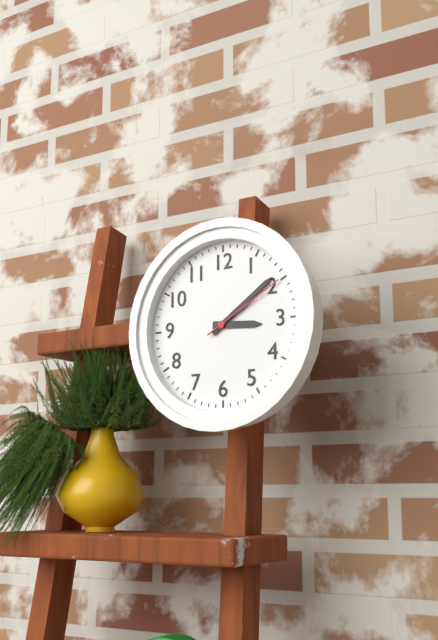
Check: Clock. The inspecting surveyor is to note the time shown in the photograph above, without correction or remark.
3:09:10
